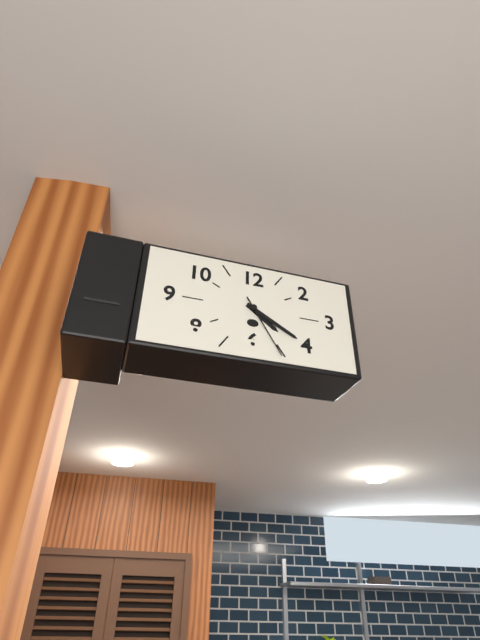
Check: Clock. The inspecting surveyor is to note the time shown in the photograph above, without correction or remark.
4:20:25
